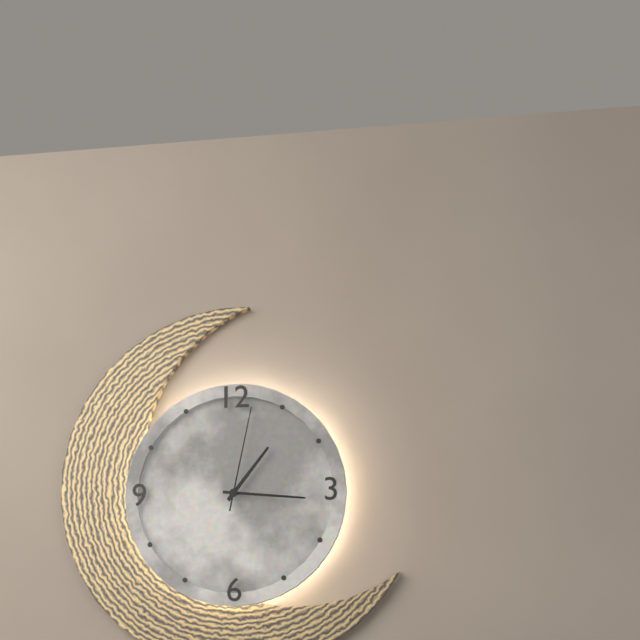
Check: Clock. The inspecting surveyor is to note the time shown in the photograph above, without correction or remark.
1:16:02
